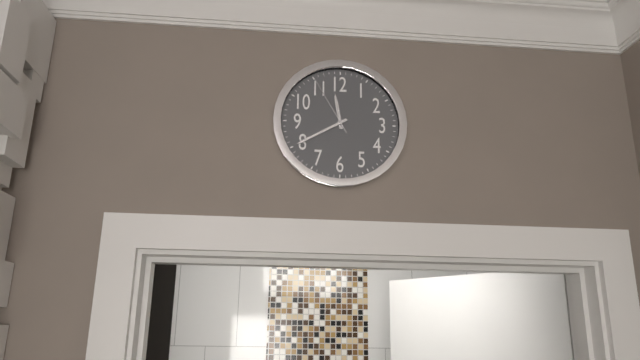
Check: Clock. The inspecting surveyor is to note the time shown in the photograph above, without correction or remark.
11:40:55
